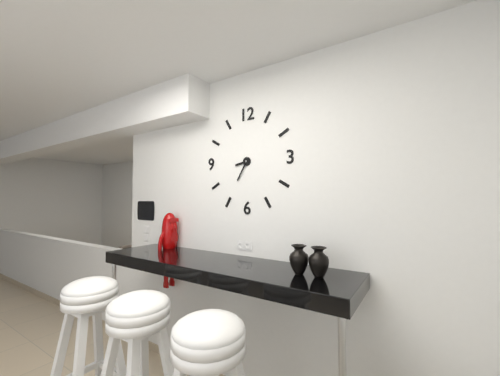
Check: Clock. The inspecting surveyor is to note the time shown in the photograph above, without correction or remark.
8:35
